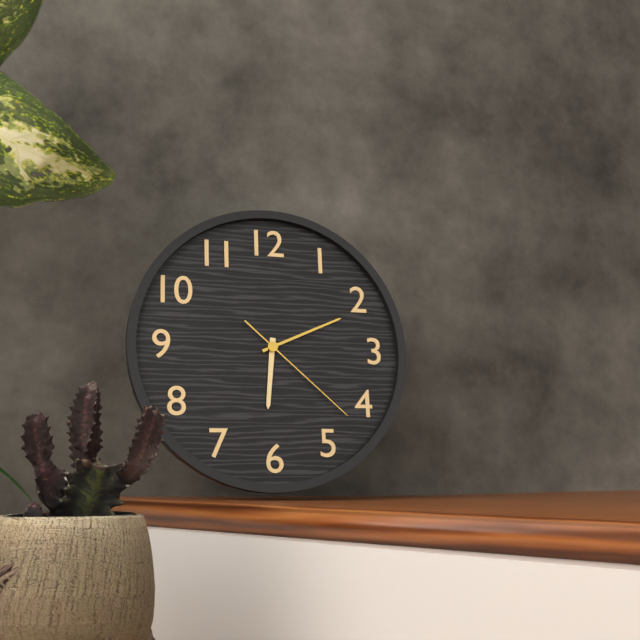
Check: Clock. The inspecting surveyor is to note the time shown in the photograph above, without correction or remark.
6:11:22
